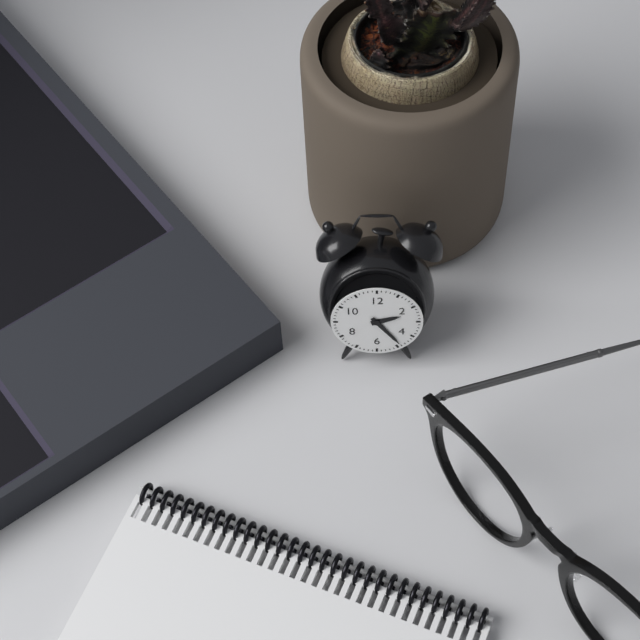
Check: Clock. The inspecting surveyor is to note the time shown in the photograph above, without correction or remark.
2:24
